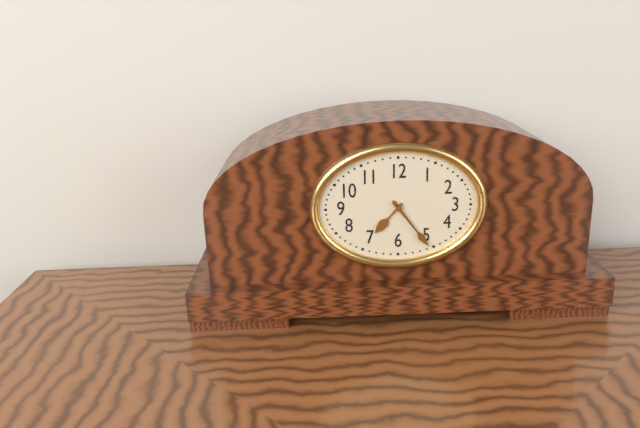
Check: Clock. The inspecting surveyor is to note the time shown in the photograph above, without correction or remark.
7:24
